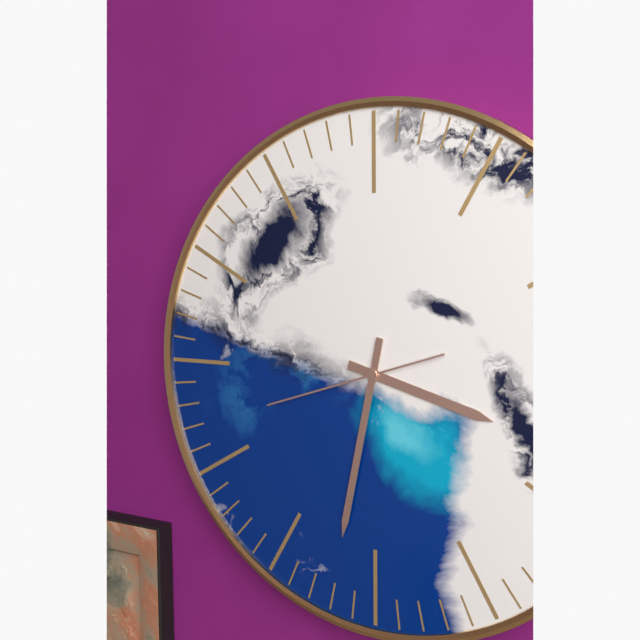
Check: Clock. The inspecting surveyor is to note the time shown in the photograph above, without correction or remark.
3:32:42
